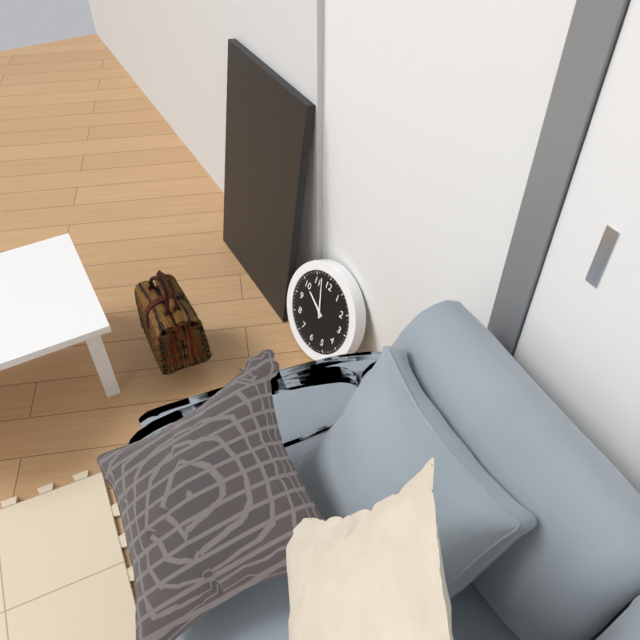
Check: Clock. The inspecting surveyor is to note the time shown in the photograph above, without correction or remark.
9:57
